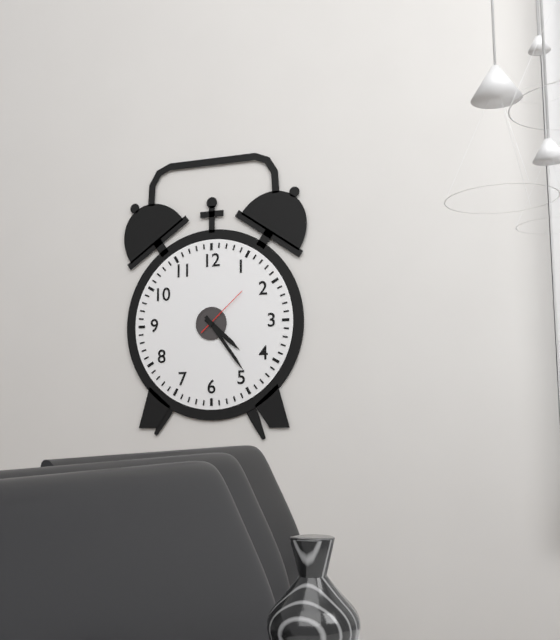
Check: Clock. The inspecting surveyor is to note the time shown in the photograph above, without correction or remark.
4:24:08
